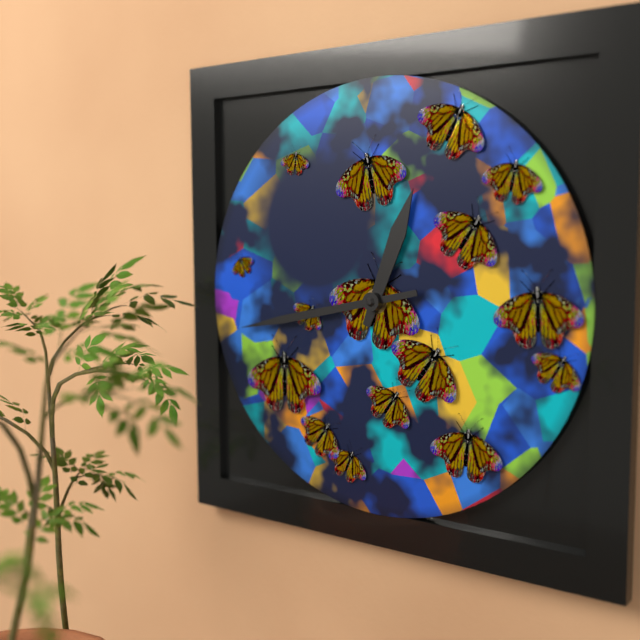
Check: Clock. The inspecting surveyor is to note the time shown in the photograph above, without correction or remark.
12:43
